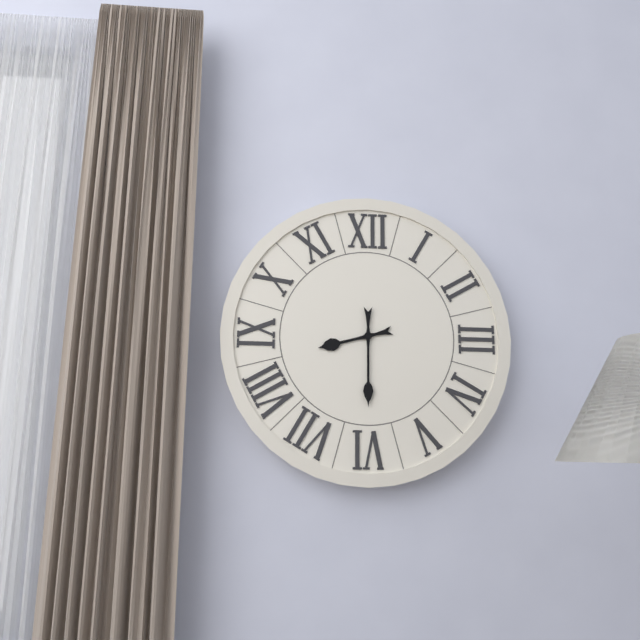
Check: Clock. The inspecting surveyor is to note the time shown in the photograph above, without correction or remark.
8:30
